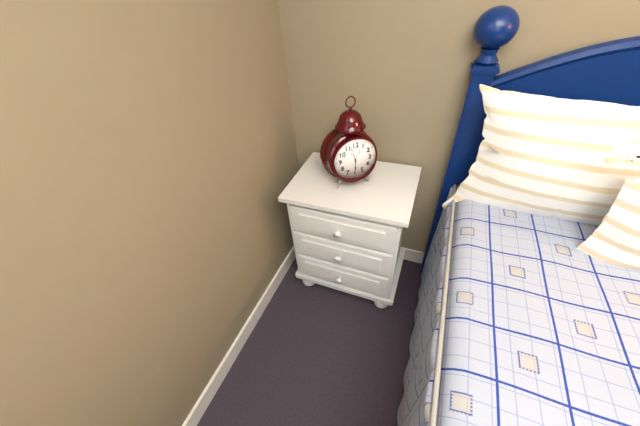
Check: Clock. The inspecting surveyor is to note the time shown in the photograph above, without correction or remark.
5:57
